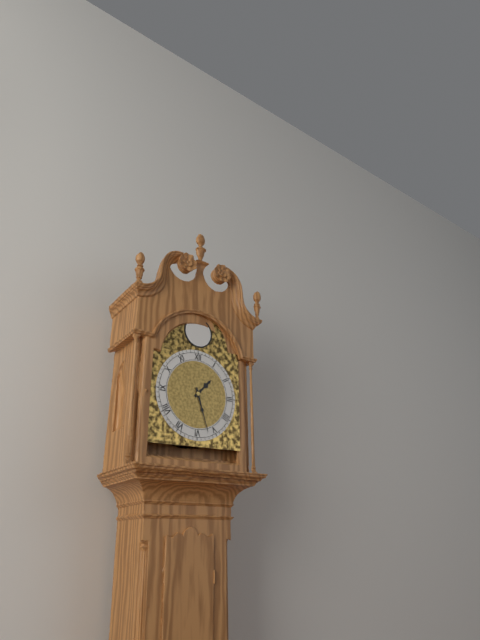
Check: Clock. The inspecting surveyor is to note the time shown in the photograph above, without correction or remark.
1:27
